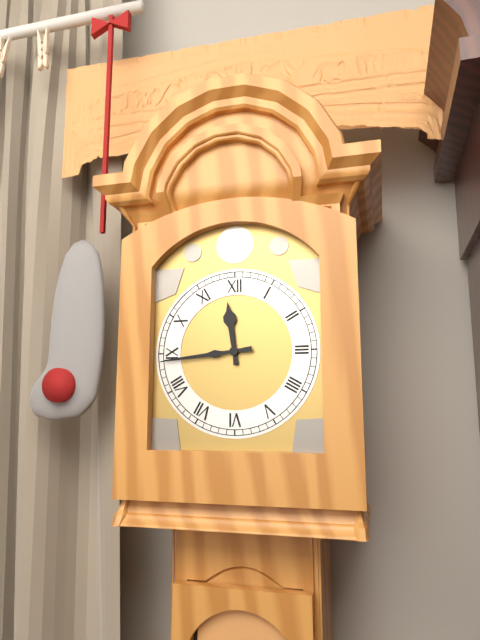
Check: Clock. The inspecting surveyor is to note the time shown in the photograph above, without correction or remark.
11:44
